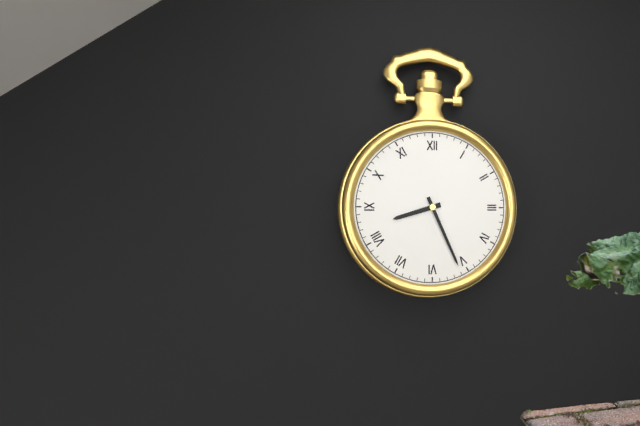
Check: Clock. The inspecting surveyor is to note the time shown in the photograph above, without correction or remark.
8:26
